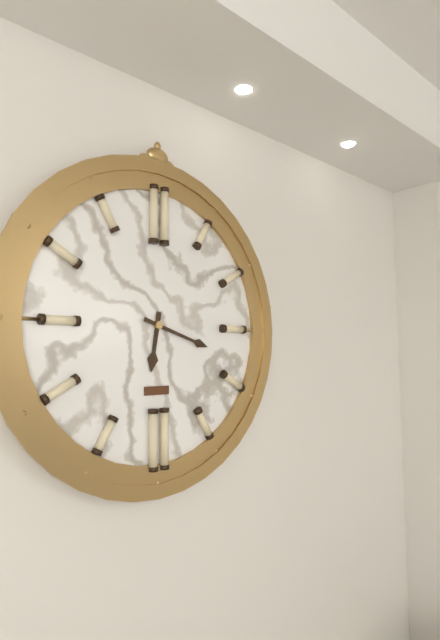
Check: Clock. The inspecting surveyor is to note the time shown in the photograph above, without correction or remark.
6:18
